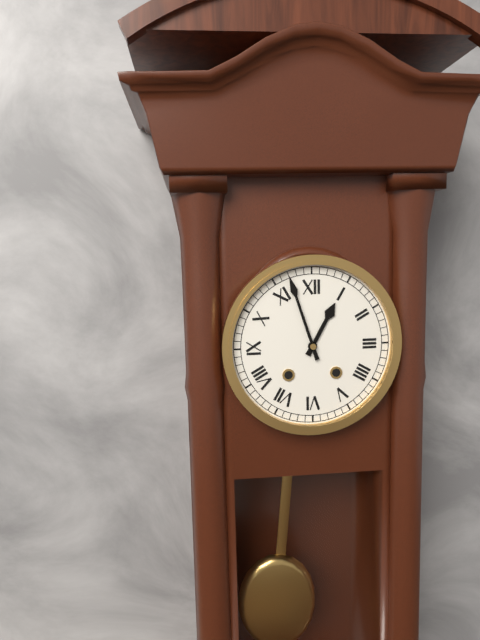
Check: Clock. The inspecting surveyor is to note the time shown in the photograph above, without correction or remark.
12:57
